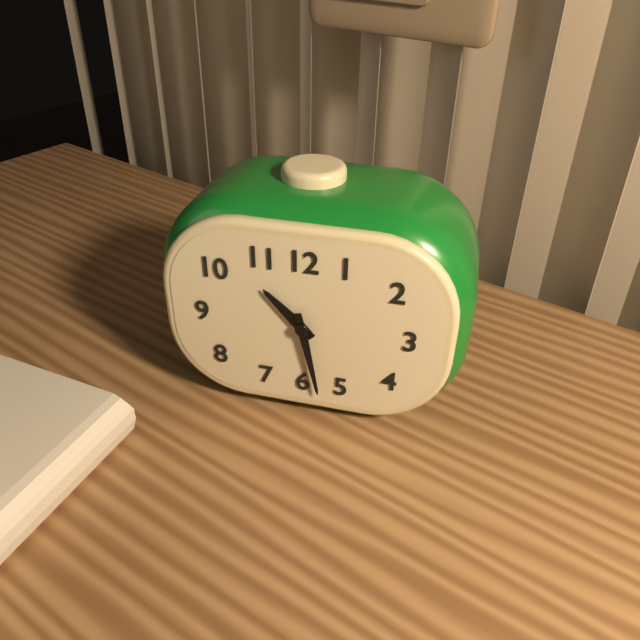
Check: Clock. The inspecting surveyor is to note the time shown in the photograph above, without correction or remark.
10:28
